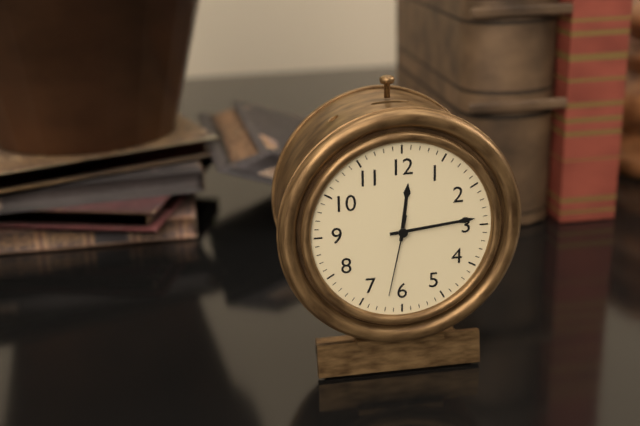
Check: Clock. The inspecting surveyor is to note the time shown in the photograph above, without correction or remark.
12:14:32
